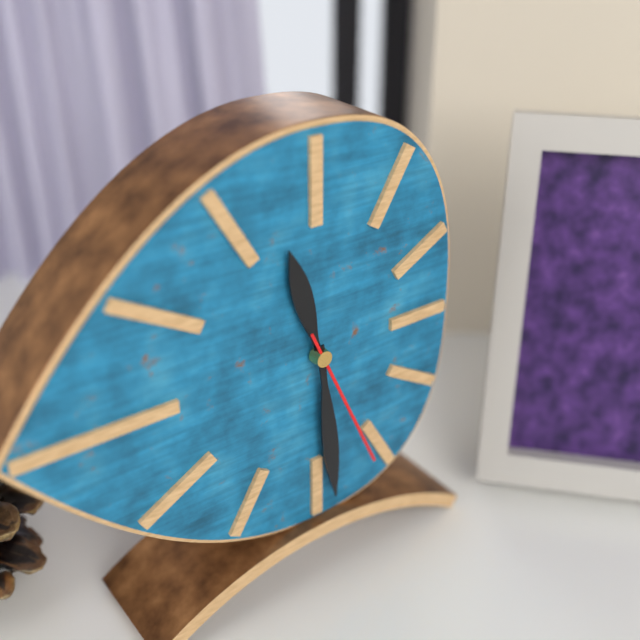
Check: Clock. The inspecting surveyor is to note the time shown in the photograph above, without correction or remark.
11:29:26
